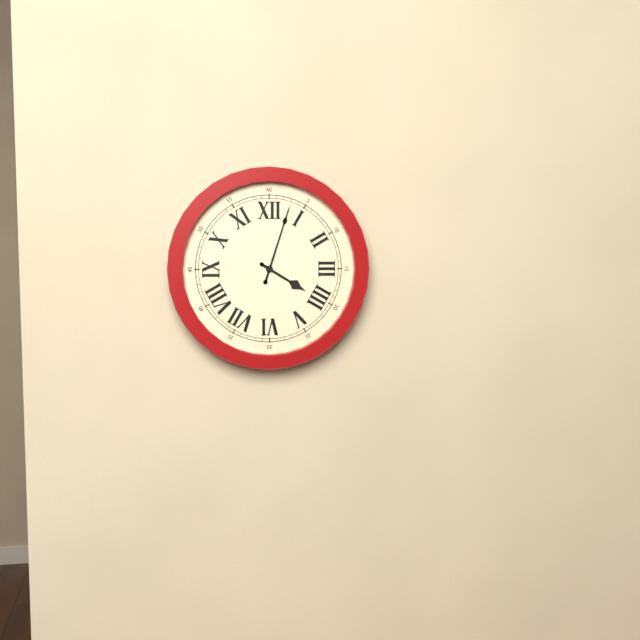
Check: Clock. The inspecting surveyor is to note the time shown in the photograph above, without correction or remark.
4:03
